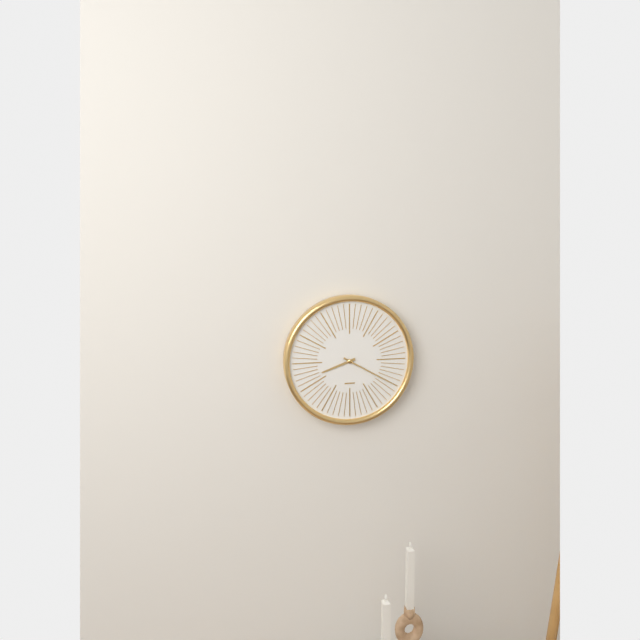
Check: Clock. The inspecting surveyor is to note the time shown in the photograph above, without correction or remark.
8:20
